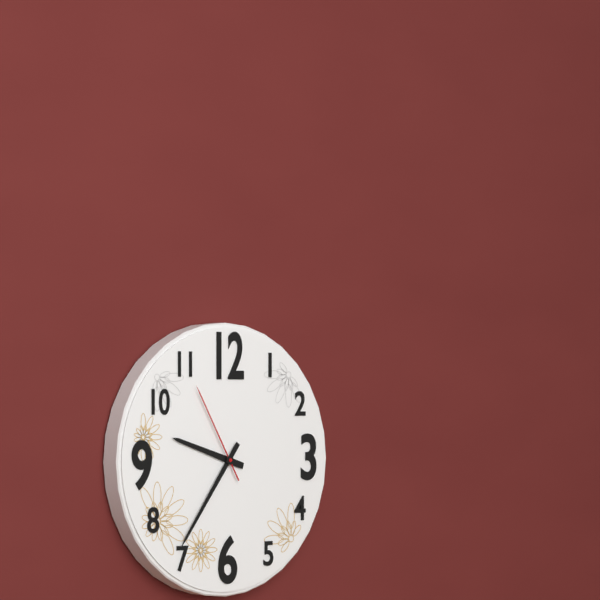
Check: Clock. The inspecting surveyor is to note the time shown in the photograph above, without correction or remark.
9:36:55
